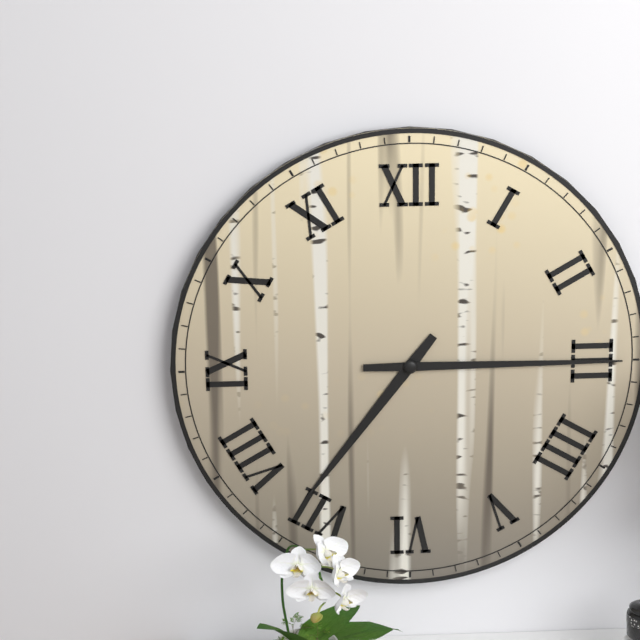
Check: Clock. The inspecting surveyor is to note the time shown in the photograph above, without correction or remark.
7:15
